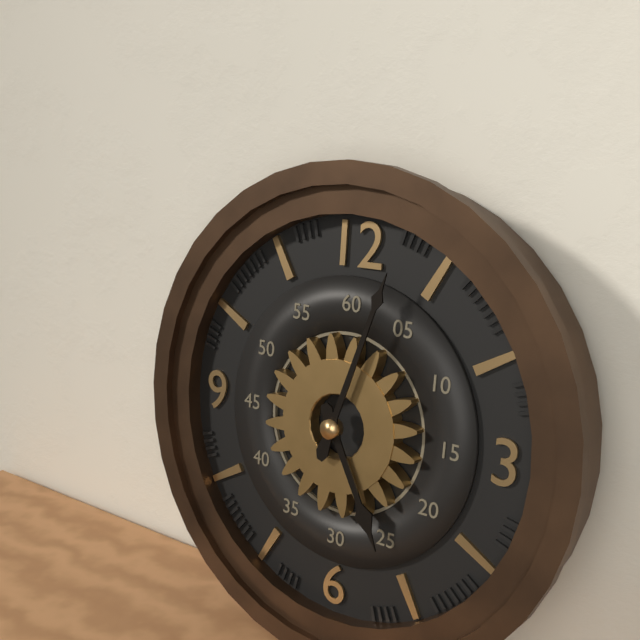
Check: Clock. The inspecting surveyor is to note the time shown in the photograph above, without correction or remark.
5:03
